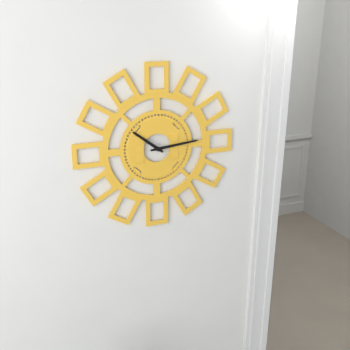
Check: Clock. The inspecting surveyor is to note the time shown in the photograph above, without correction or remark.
10:14
